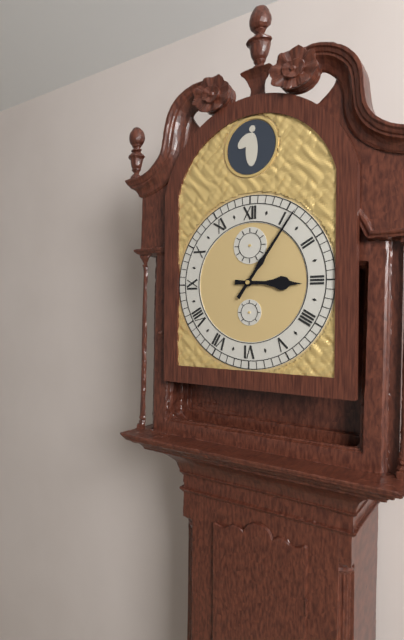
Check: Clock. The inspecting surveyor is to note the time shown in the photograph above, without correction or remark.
3:06
